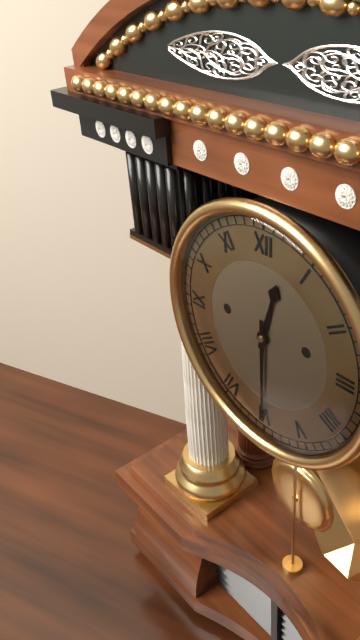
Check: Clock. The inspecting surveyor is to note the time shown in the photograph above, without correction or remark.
12:30
